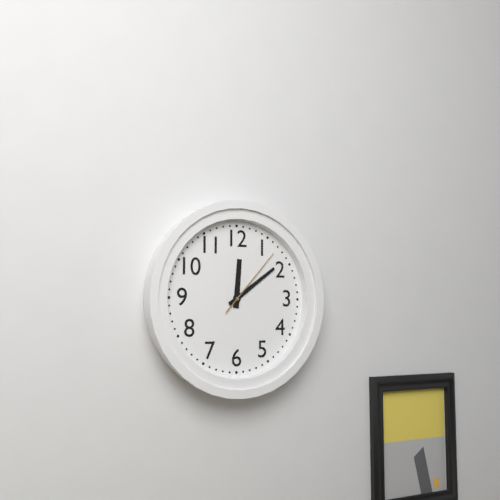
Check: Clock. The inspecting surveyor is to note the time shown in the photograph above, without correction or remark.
12:09:07
